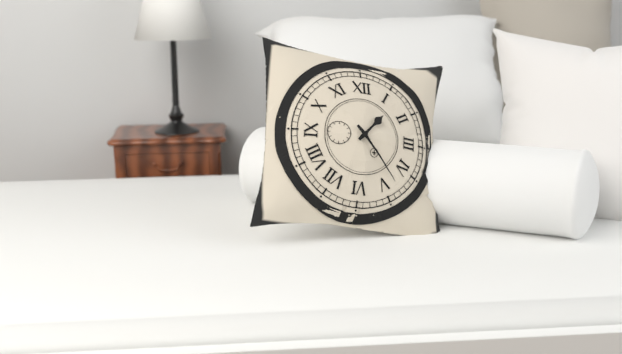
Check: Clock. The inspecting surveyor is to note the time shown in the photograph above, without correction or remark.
1:23
